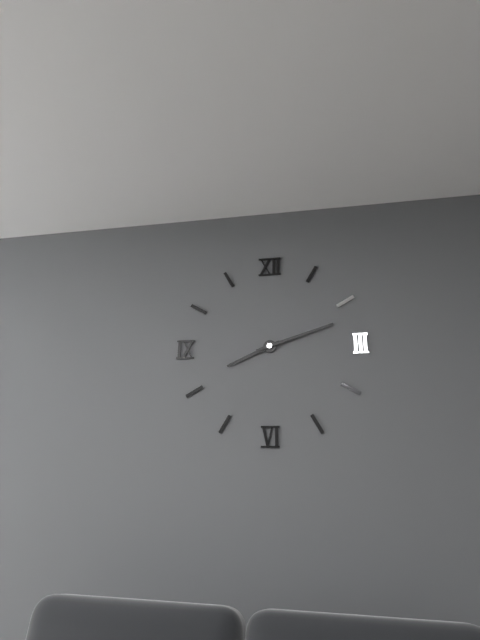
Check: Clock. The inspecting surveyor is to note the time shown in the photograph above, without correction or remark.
8:12
